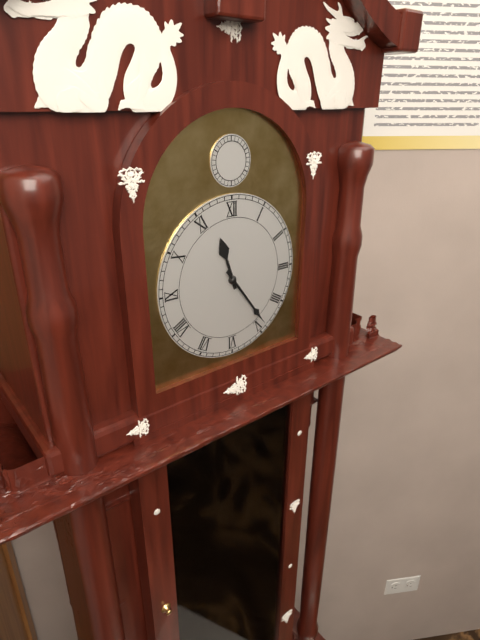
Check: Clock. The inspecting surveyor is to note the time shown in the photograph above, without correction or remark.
11:24
